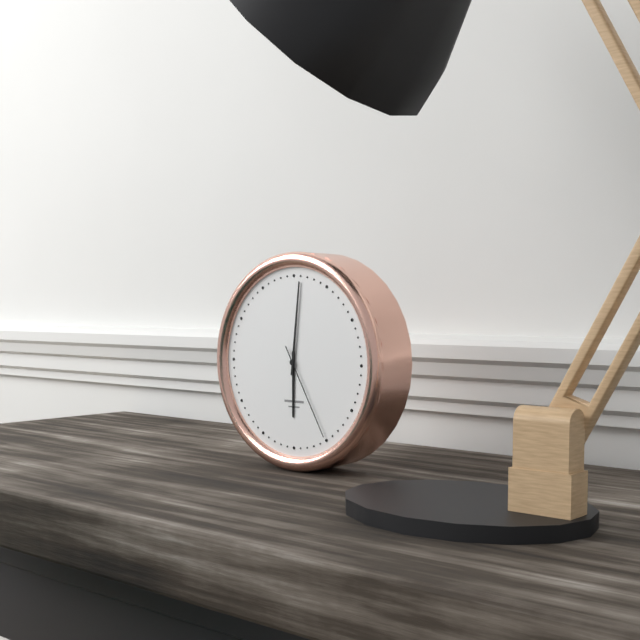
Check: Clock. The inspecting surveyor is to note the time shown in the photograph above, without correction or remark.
6:01:25
